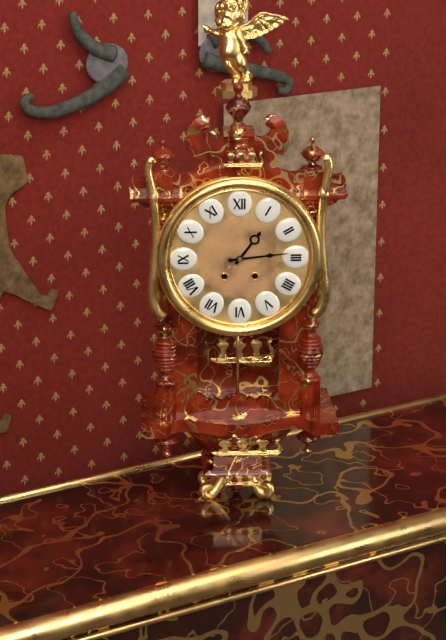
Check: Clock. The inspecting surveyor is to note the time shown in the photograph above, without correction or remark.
1:14
